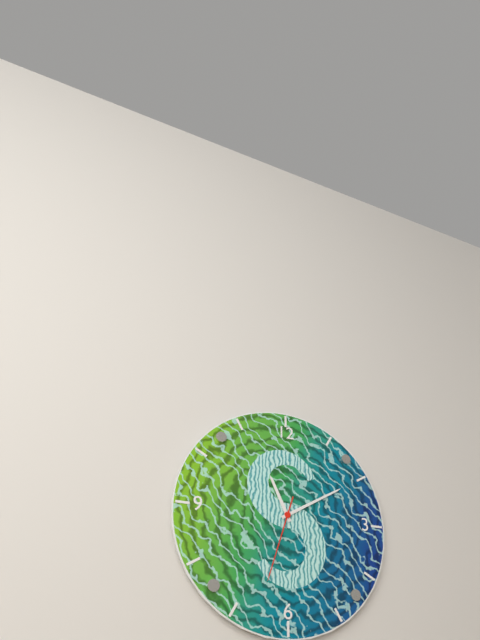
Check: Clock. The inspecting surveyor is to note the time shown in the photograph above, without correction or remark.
11:10:33
